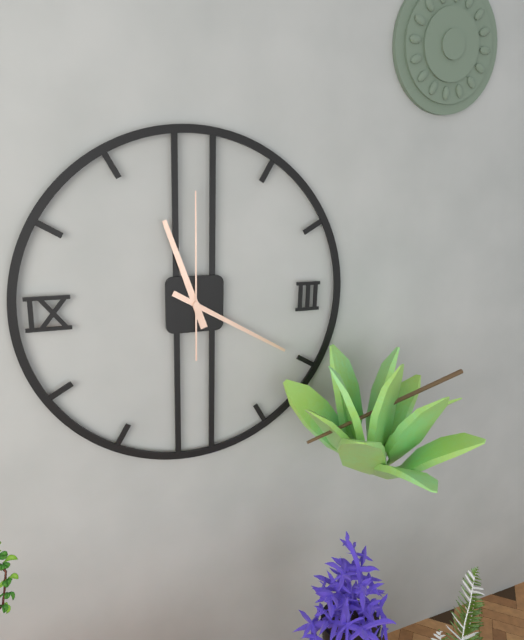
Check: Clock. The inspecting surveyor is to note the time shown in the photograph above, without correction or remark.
11:20:00
